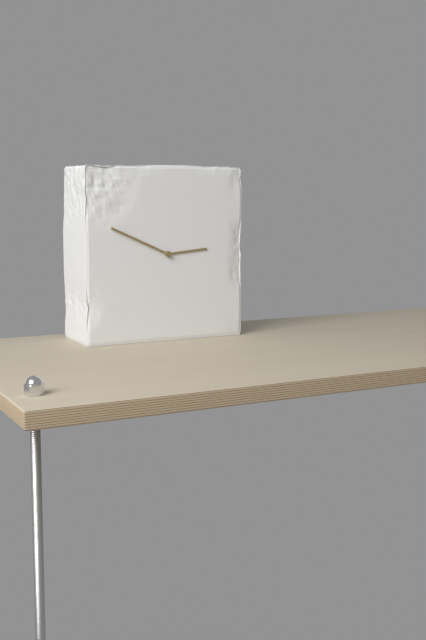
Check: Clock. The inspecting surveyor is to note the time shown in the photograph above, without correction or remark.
2:49
